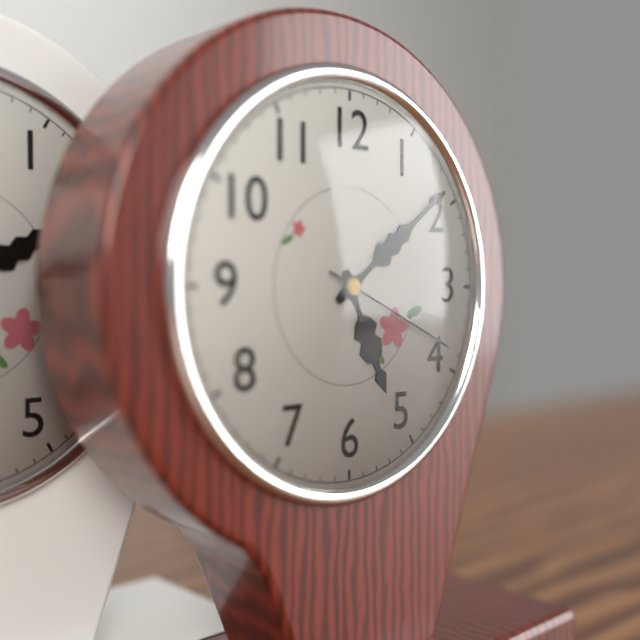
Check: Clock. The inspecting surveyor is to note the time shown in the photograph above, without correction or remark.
5:09:19
